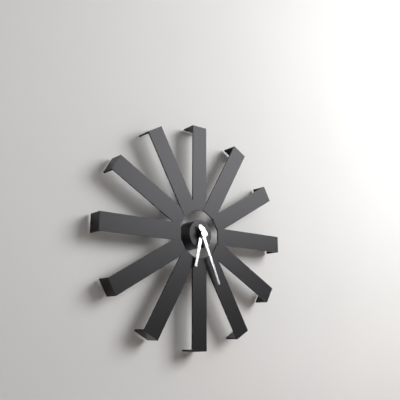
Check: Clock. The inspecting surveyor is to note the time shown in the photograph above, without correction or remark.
6:26
